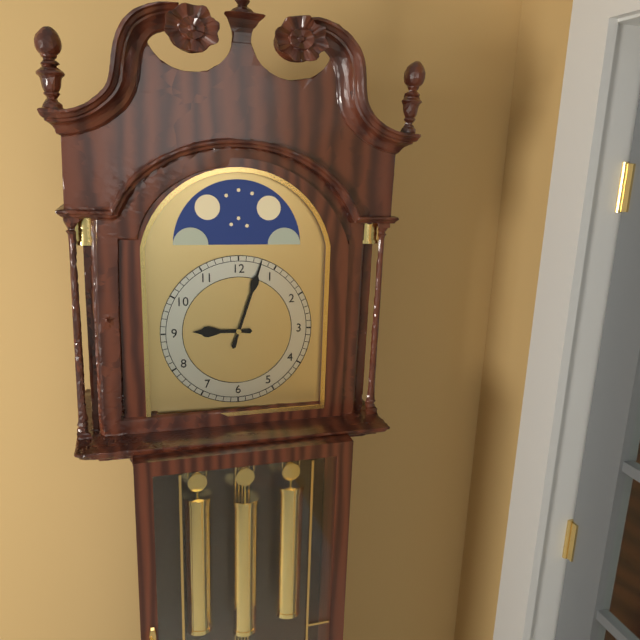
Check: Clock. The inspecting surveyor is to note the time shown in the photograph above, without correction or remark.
9:03
